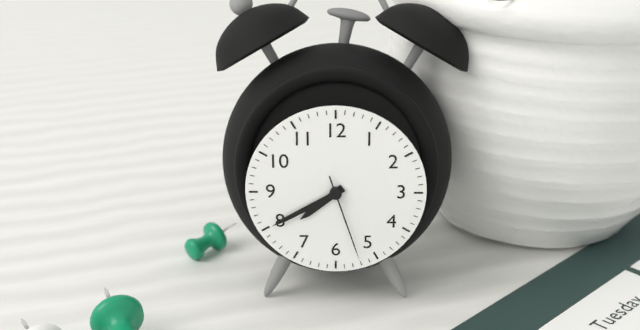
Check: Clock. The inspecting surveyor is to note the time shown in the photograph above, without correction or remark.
7:40:27
